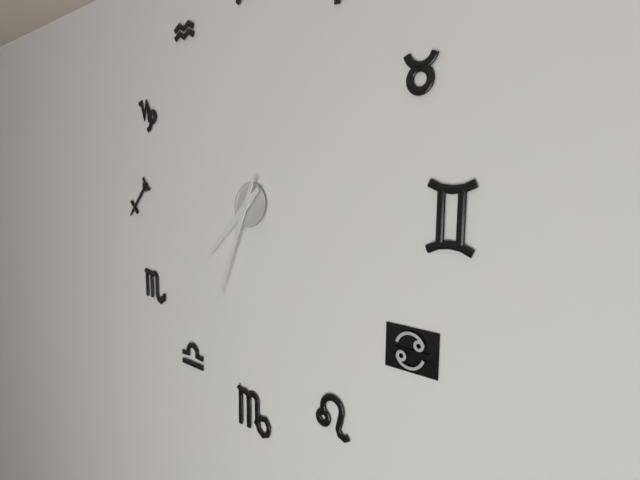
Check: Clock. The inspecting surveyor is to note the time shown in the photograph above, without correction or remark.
7:34
